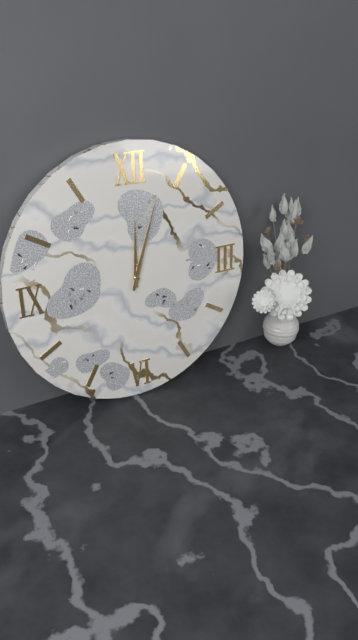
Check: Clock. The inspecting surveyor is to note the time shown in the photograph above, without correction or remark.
12:03
